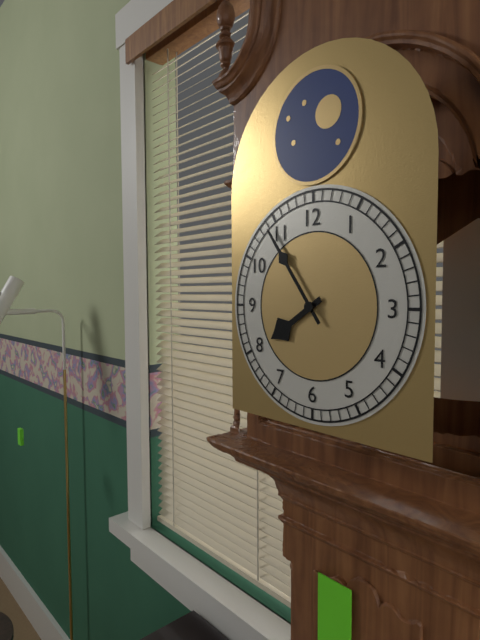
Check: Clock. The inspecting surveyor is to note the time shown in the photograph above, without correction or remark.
7:54
